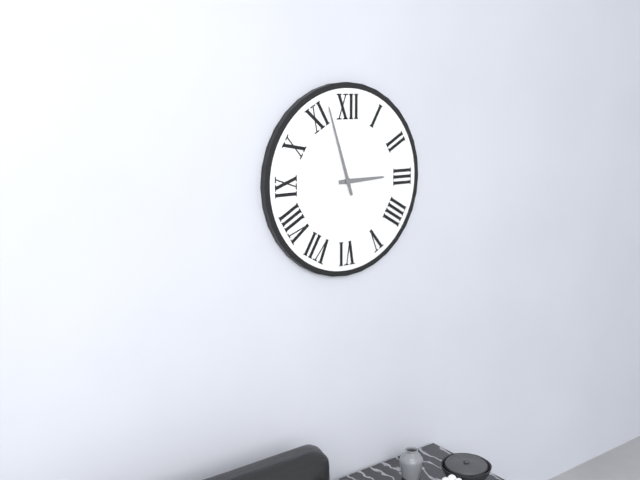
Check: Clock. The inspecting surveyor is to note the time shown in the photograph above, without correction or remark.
2:57
